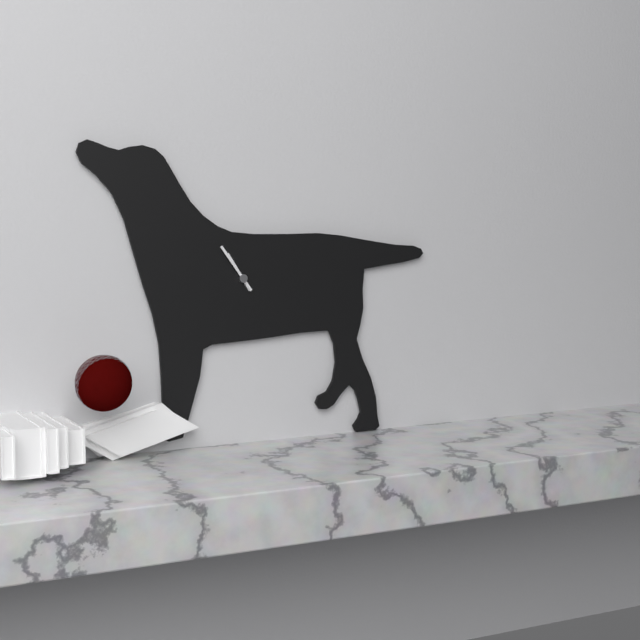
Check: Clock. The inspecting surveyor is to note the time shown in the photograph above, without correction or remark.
10:54
